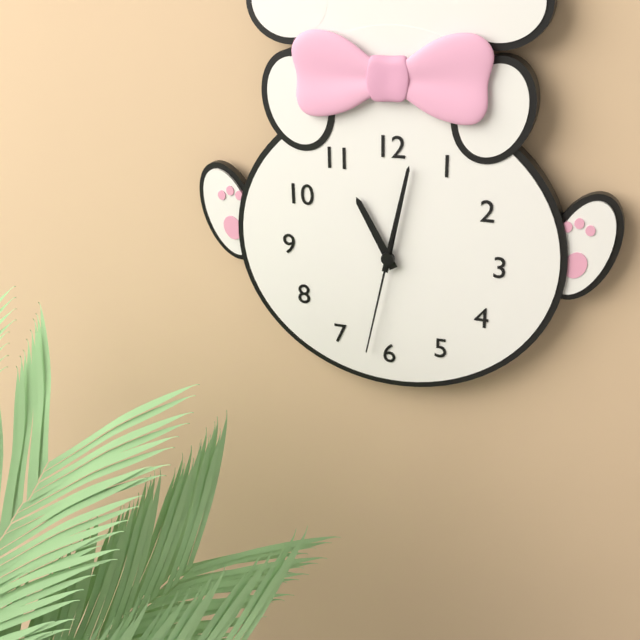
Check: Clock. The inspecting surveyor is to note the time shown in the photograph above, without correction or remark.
11:02:32
